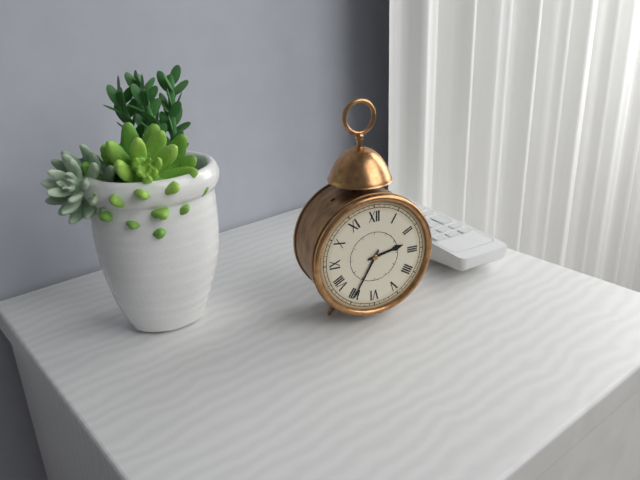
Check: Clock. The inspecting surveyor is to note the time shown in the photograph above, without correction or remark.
2:35
